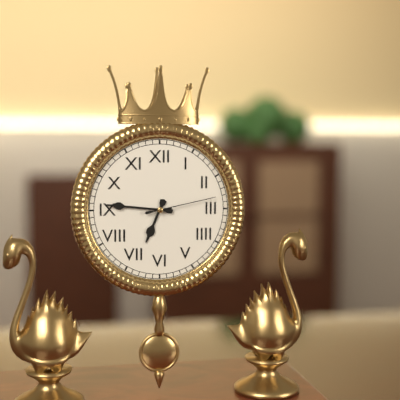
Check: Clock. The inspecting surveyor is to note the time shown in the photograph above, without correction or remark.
6:46:13
